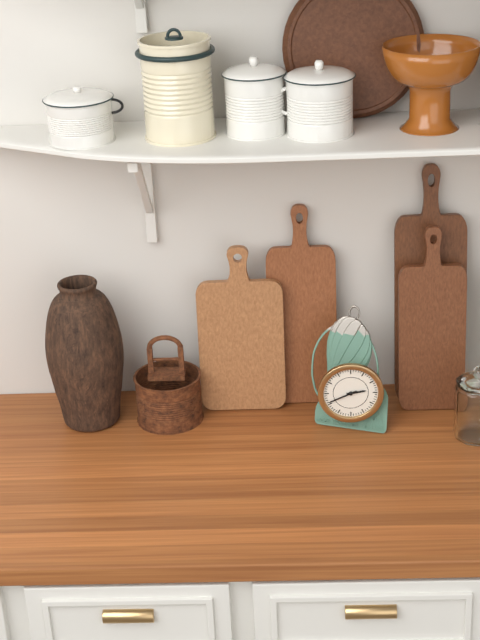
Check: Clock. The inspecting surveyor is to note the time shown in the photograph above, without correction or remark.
2:41
